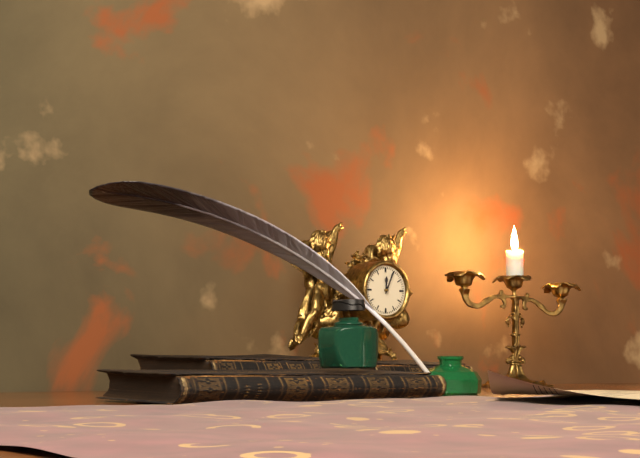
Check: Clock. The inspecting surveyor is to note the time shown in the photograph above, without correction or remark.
12:04
